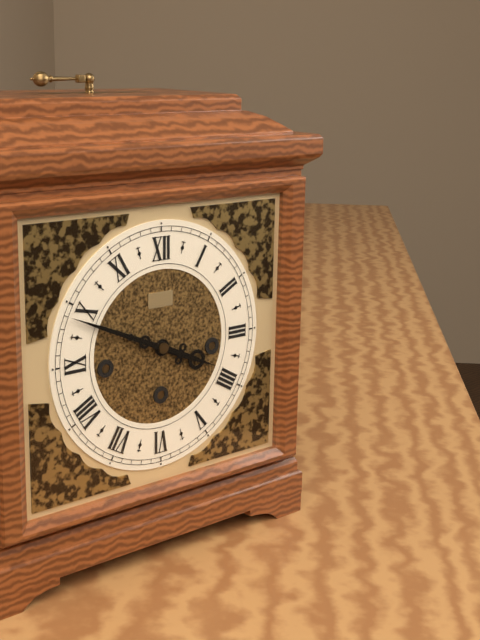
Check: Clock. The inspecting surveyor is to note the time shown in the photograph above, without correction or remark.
3:49
